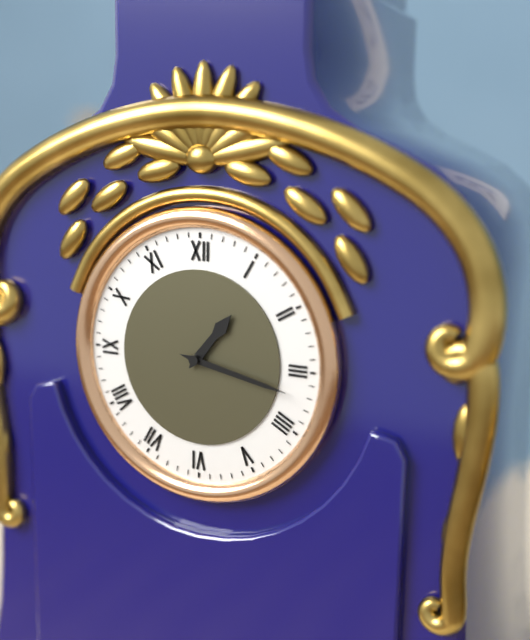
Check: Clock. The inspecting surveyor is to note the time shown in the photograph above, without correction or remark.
1:17
